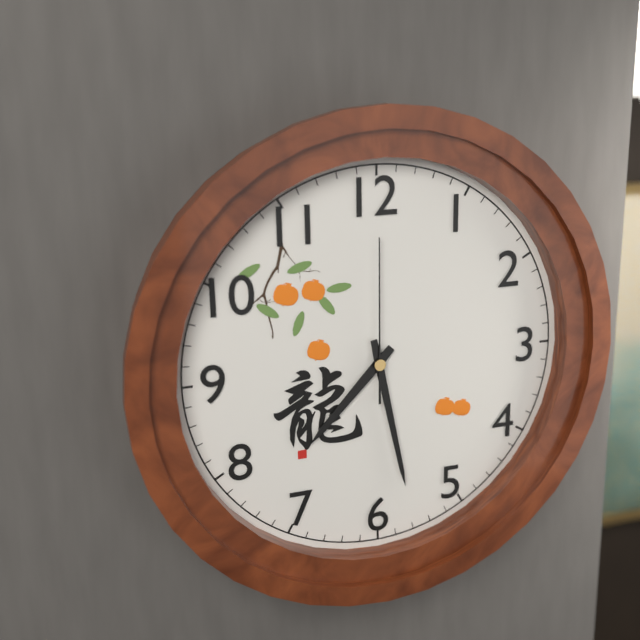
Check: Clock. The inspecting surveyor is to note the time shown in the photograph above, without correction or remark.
7:28:00
